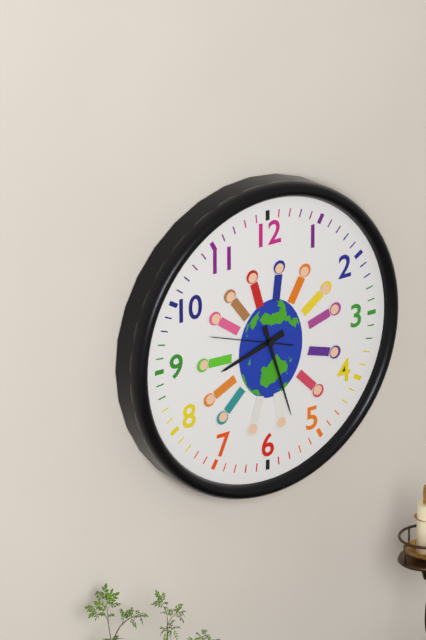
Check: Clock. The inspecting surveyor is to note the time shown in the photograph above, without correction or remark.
8:27:48
